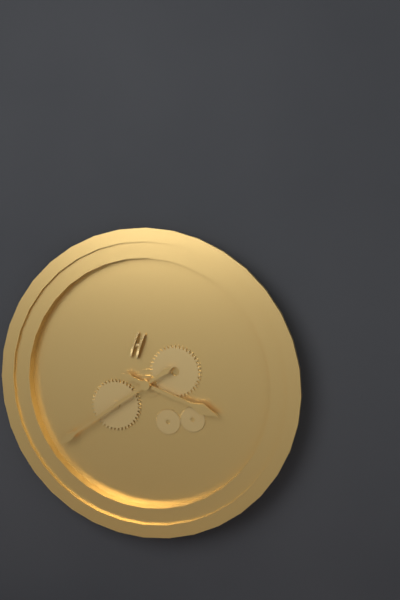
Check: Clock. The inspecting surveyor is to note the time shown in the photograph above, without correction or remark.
3:39
